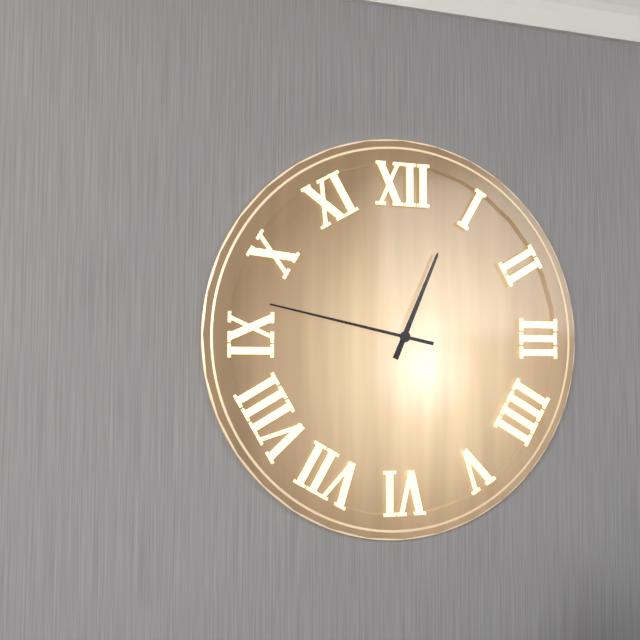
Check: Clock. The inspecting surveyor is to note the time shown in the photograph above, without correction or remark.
12:47
